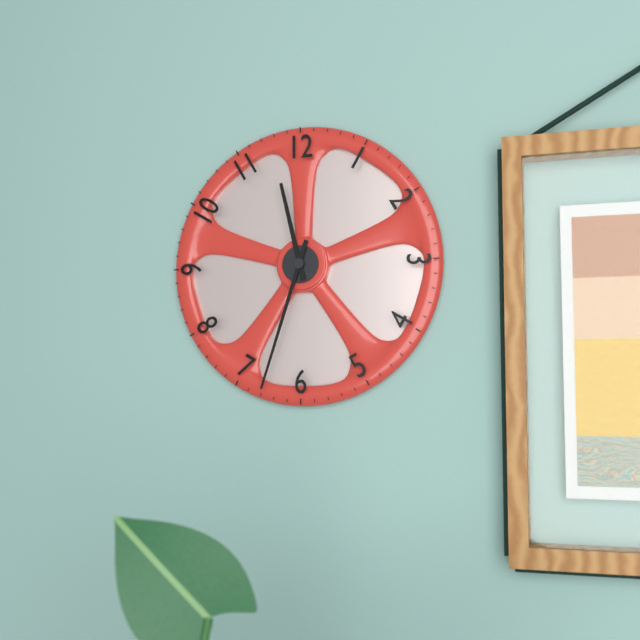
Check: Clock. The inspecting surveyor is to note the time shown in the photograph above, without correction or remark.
11:33
